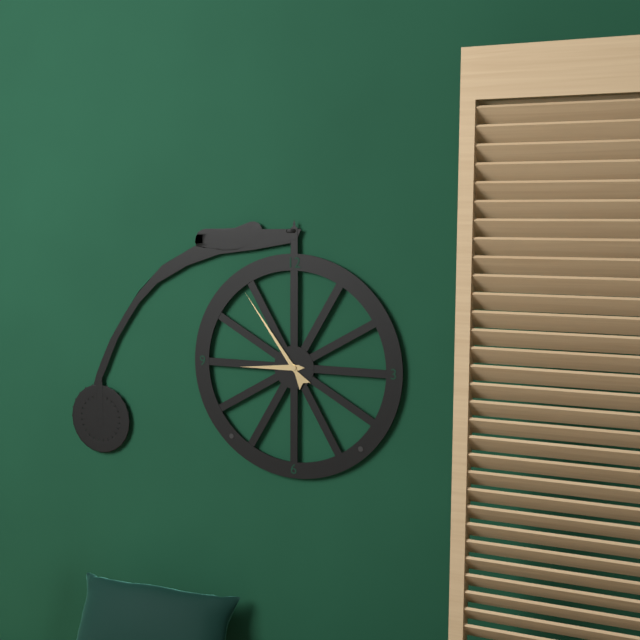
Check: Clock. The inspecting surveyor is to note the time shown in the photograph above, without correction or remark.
8:54
